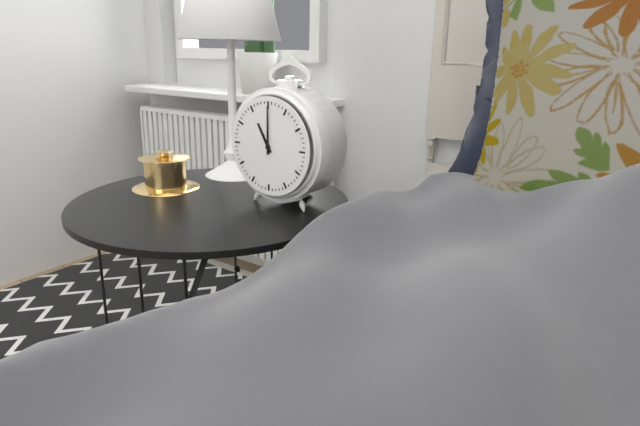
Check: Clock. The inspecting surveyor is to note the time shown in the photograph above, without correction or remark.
11:00
